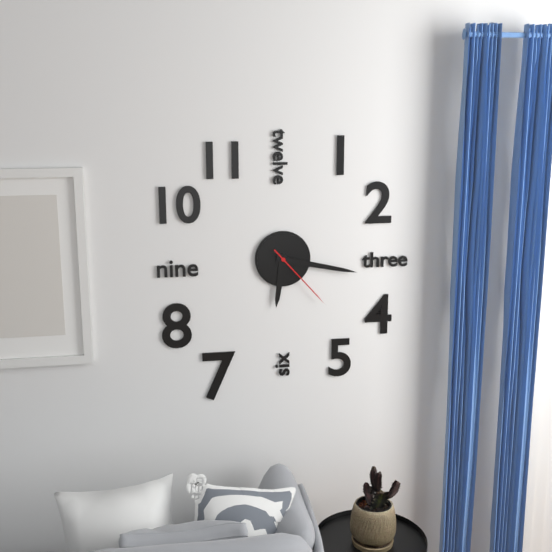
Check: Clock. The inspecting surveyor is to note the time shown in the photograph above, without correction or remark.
6:17:23
